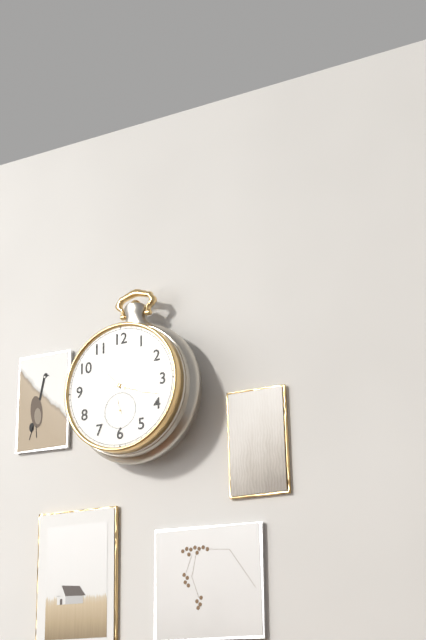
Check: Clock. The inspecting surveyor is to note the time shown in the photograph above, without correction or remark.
10:18
